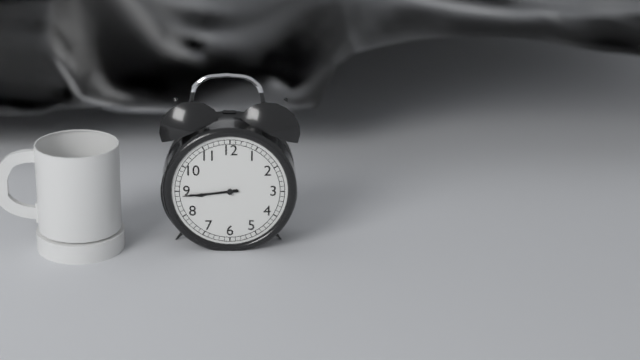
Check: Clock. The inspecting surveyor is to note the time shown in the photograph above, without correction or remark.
8:44
